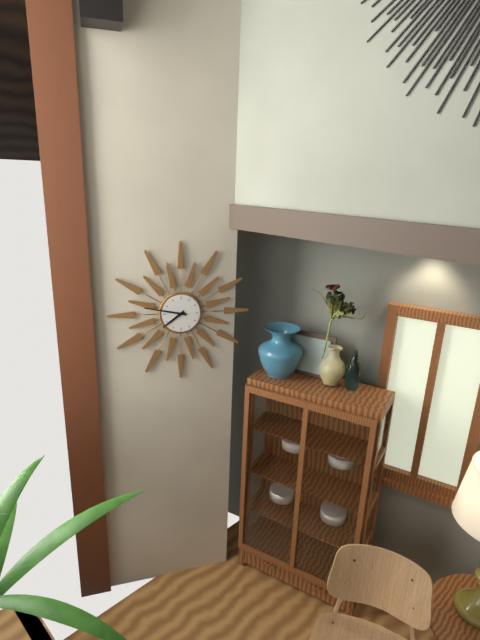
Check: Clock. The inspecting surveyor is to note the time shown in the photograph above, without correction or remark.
7:47
